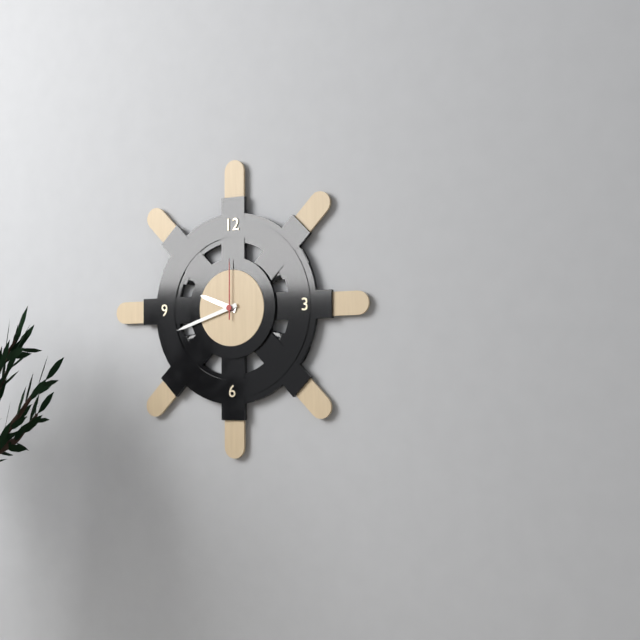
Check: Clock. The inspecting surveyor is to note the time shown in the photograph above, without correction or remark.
9:42:00
